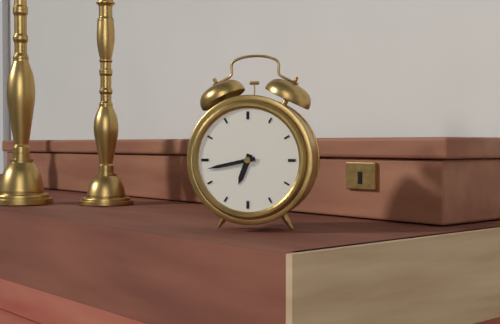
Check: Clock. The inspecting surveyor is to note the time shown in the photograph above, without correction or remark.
6:43
